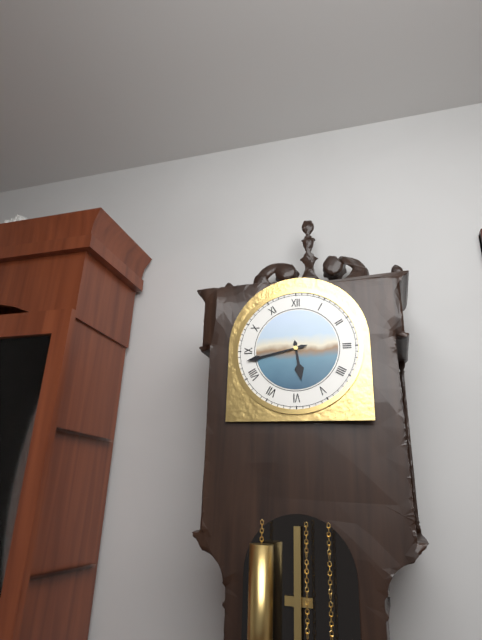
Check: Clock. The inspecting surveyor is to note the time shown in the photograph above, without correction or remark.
5:43
